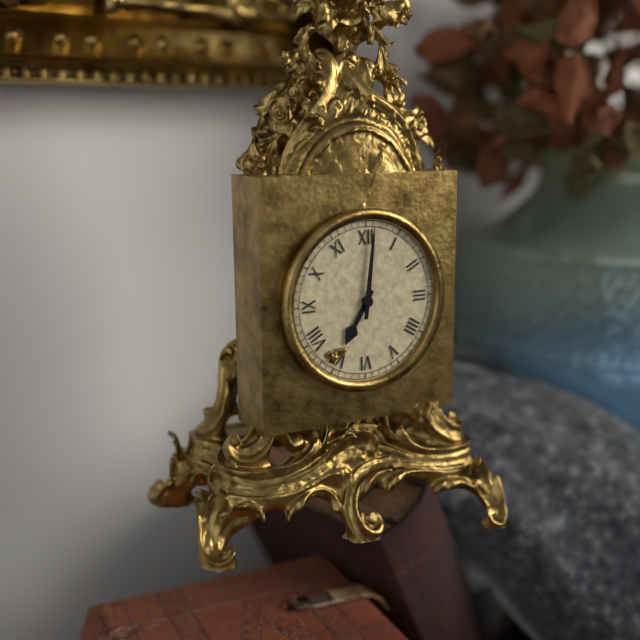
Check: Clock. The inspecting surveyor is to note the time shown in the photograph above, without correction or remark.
7:01
